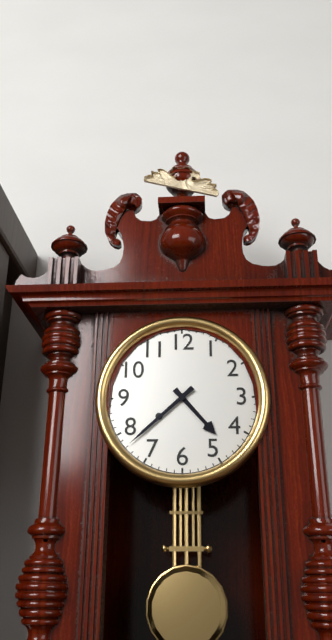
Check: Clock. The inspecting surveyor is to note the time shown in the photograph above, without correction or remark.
4:38
